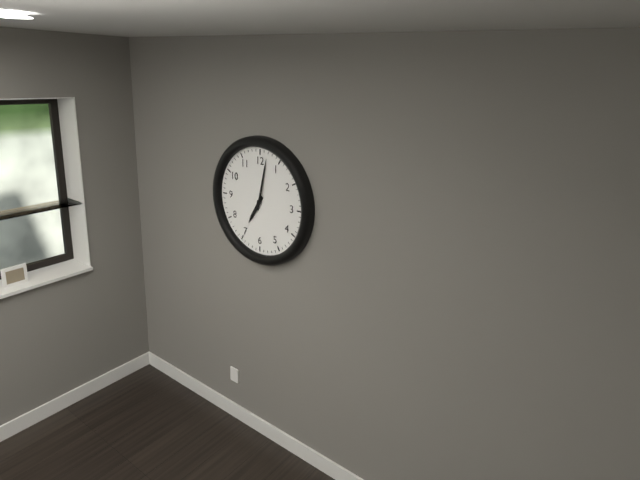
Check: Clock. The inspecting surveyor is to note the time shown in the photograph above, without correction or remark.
7:02
